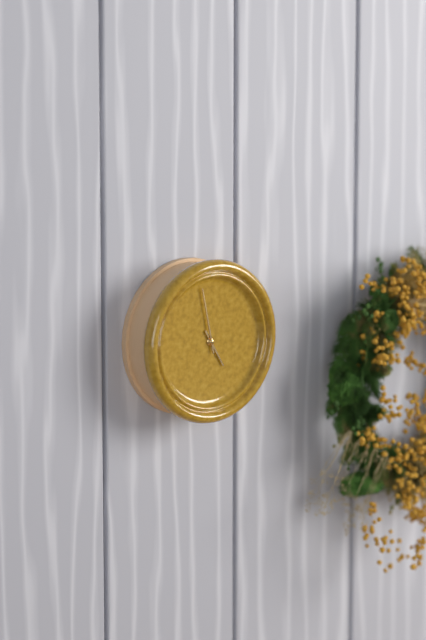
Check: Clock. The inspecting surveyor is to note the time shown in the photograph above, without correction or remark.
4:58
